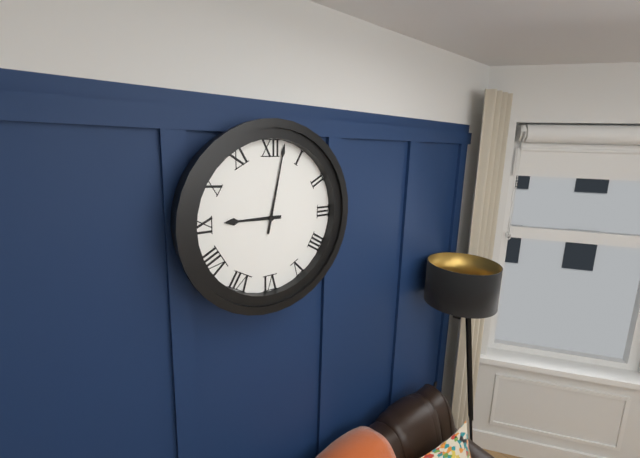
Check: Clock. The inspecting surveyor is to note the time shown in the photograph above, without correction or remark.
9:02
